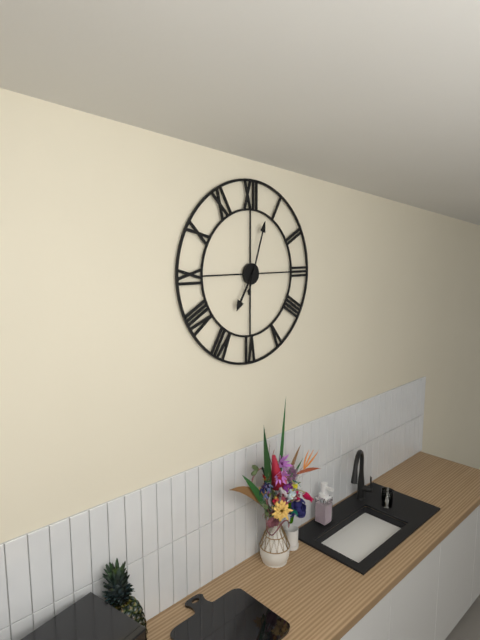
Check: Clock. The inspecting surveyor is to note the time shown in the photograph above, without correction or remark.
7:03
